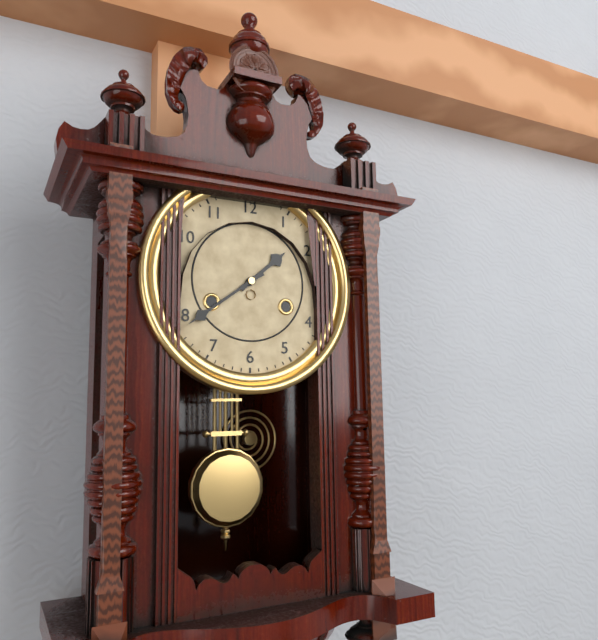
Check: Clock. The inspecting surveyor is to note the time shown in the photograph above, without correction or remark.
1:39
